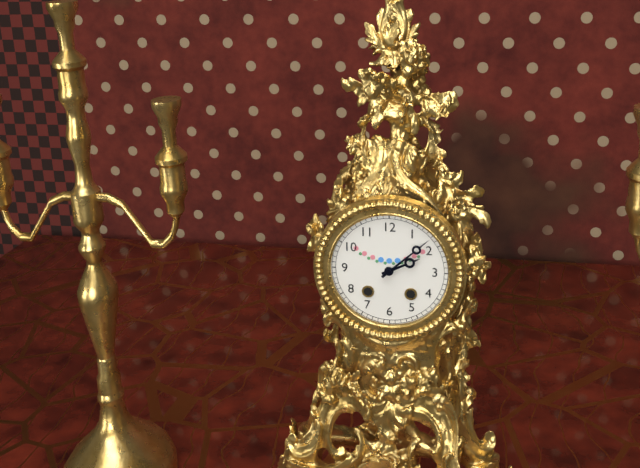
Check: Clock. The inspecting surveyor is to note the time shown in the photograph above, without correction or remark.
2:08
